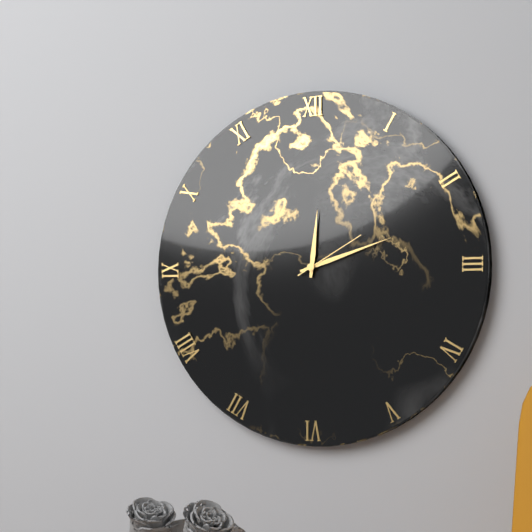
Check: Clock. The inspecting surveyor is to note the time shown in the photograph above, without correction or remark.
12:12:10
